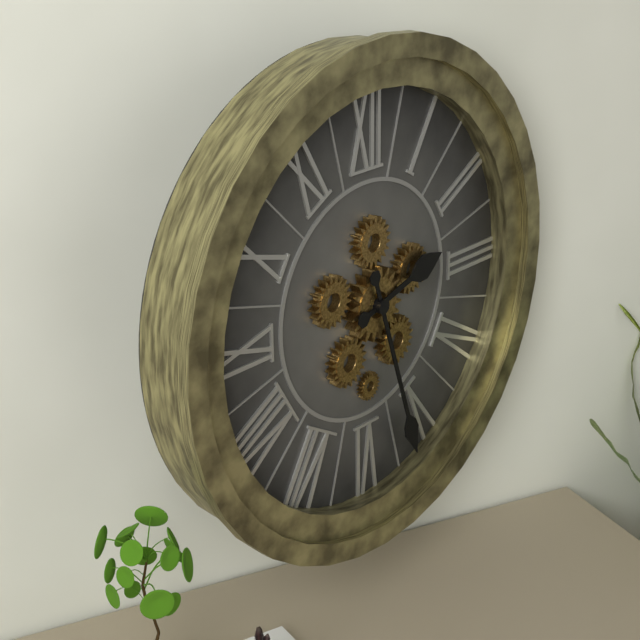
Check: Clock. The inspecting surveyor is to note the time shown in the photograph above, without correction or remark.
2:27
